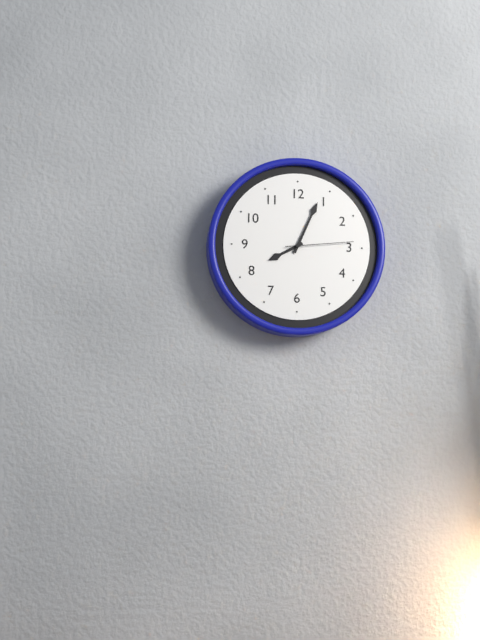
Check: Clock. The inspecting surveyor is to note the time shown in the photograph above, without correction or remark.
8:04:14
